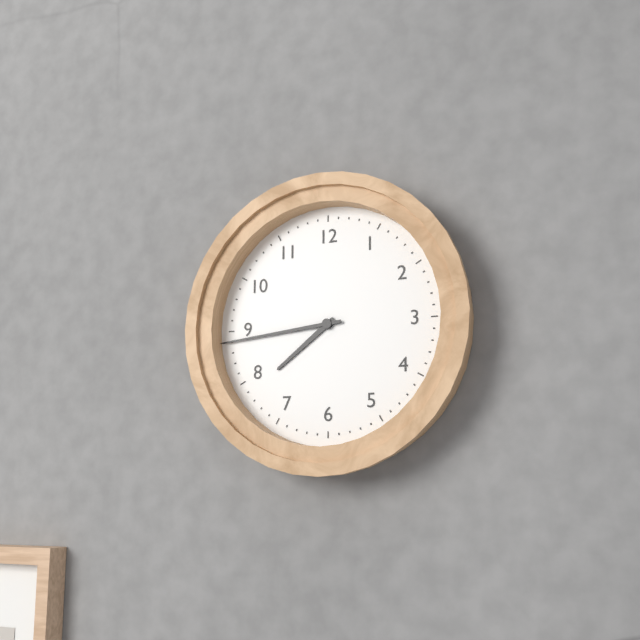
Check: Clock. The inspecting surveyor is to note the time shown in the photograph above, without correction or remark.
7:44
